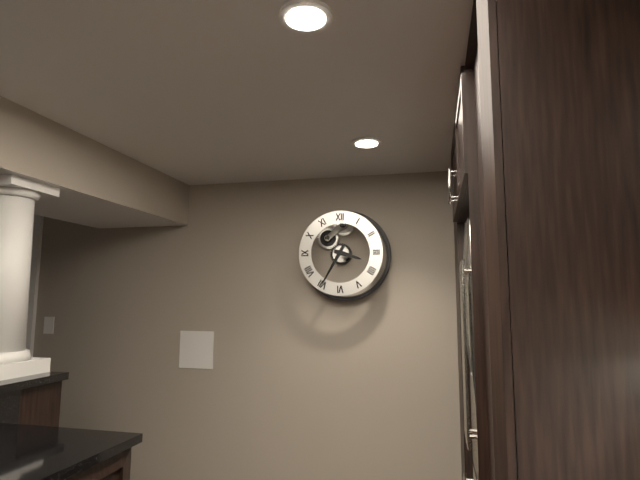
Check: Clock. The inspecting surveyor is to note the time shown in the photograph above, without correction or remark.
3:35
